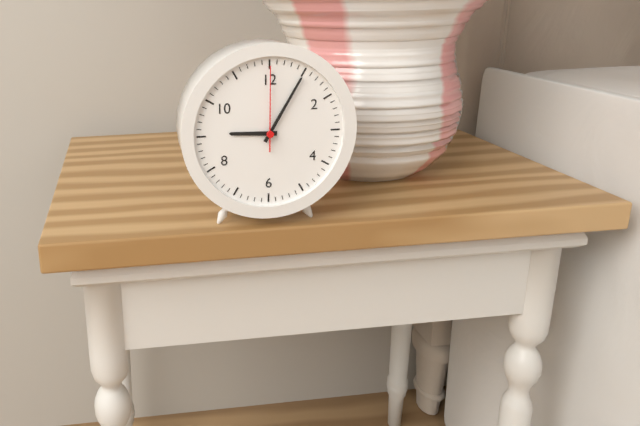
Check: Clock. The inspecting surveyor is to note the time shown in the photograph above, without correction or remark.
9:05:00
